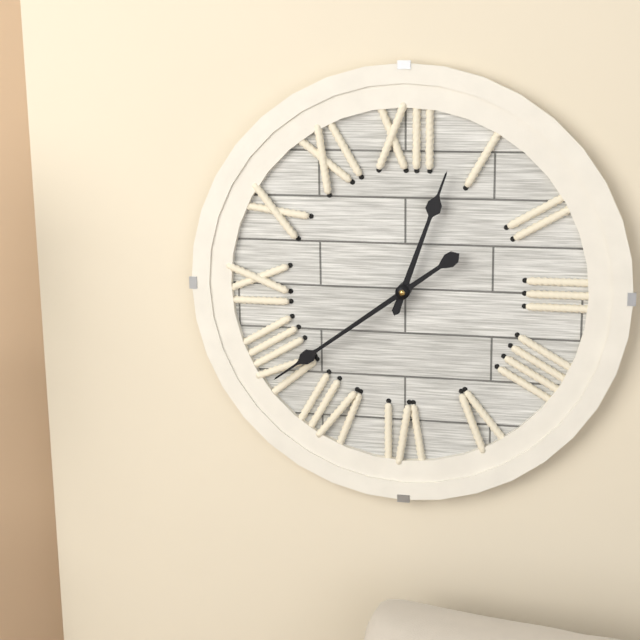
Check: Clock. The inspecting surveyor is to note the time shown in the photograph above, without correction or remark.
12:39
